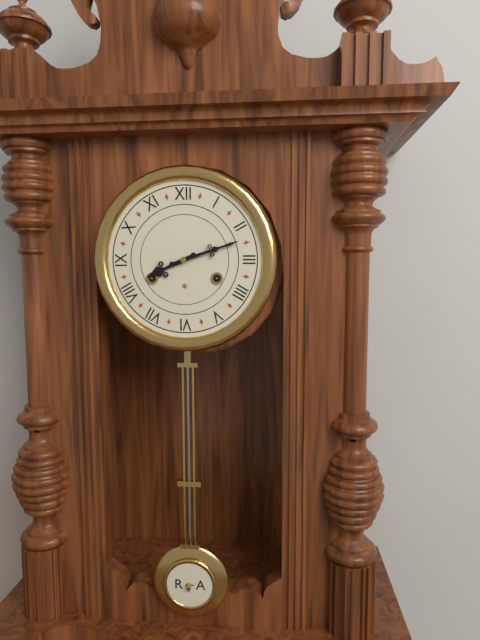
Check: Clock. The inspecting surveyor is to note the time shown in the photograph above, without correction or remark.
8:12
